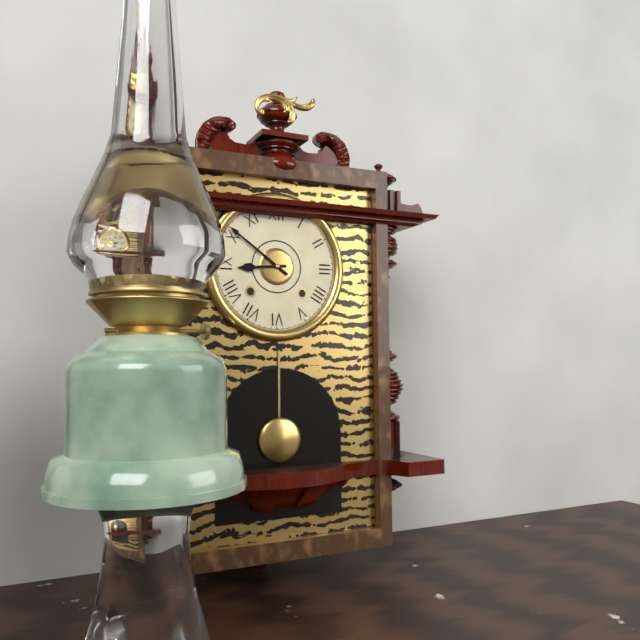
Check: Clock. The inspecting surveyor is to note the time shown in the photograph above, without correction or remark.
8:51
